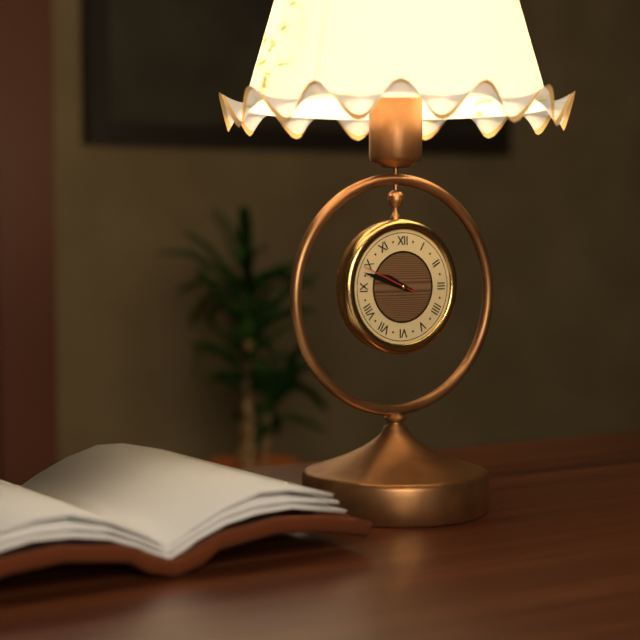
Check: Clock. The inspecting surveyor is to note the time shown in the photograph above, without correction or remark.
9:48
